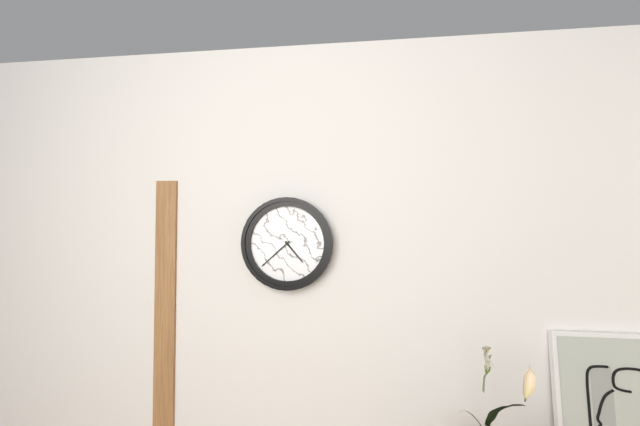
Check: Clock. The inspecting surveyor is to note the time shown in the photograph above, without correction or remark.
4:38
